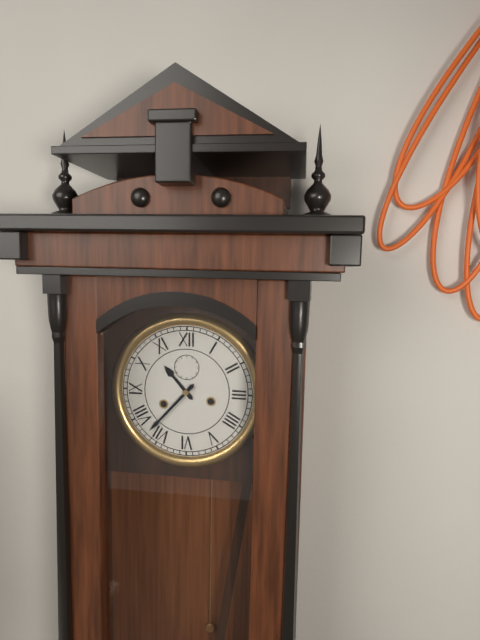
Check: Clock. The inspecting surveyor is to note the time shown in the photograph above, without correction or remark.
10:37
